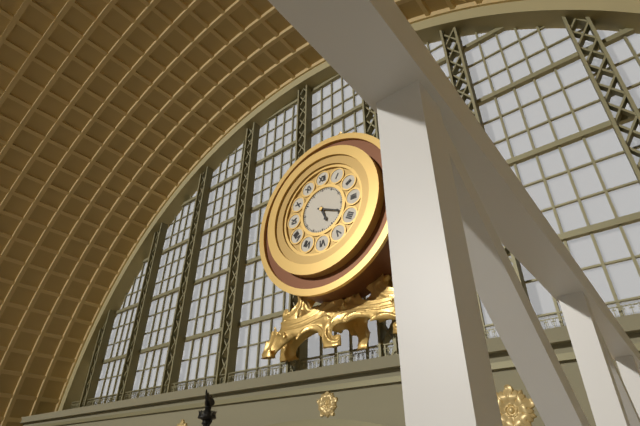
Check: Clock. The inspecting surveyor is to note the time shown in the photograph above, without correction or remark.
5:19
